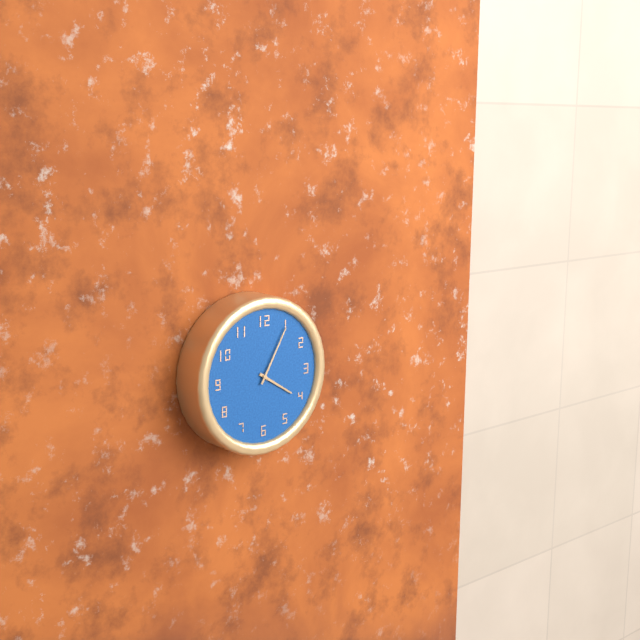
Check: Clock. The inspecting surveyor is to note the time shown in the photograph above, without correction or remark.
4:05
